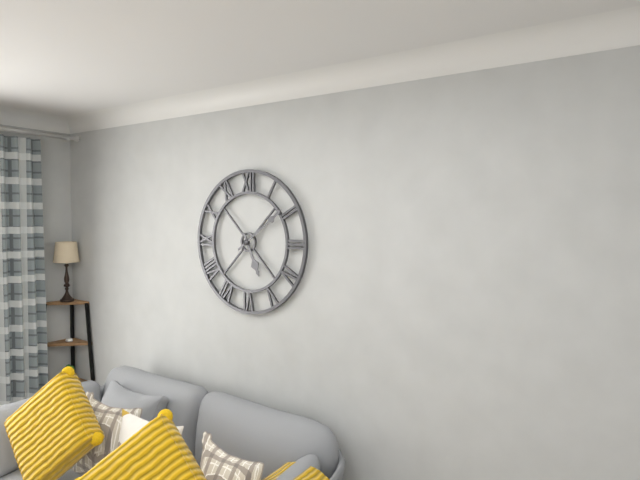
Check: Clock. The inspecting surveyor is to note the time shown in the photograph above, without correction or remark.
5:09
